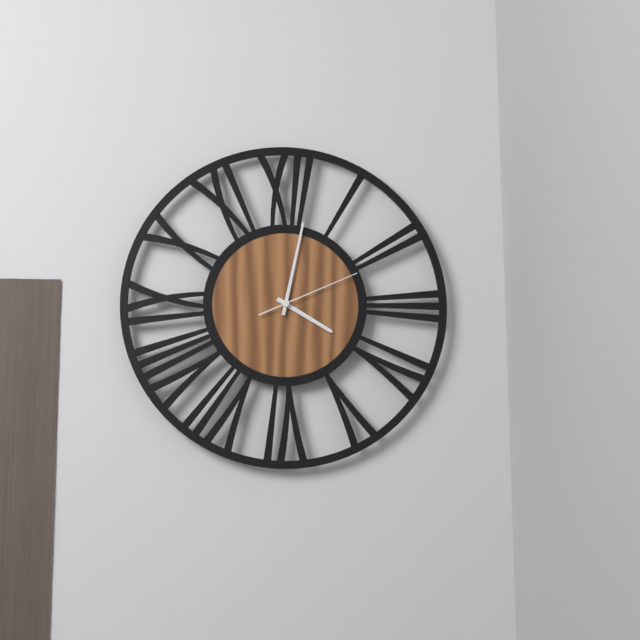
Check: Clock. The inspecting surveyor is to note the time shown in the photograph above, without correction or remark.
4:02:11
